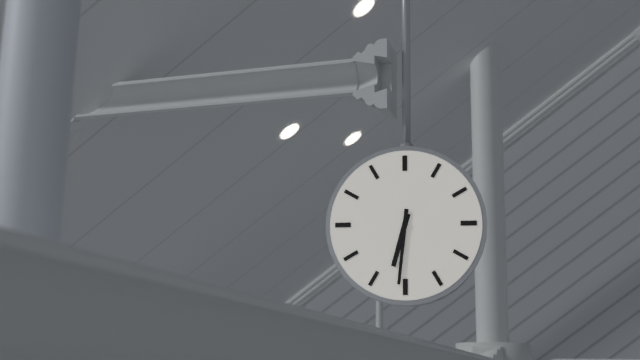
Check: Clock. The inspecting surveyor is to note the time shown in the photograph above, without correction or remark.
6:31
